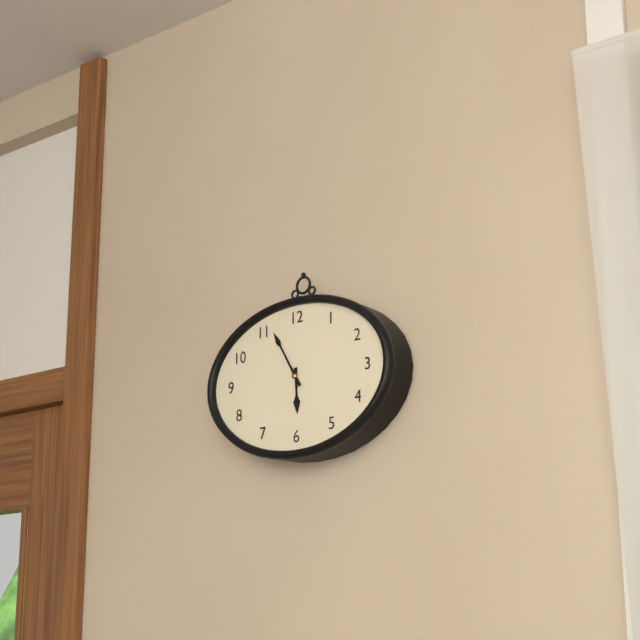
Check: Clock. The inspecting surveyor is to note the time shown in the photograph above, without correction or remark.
5:55
